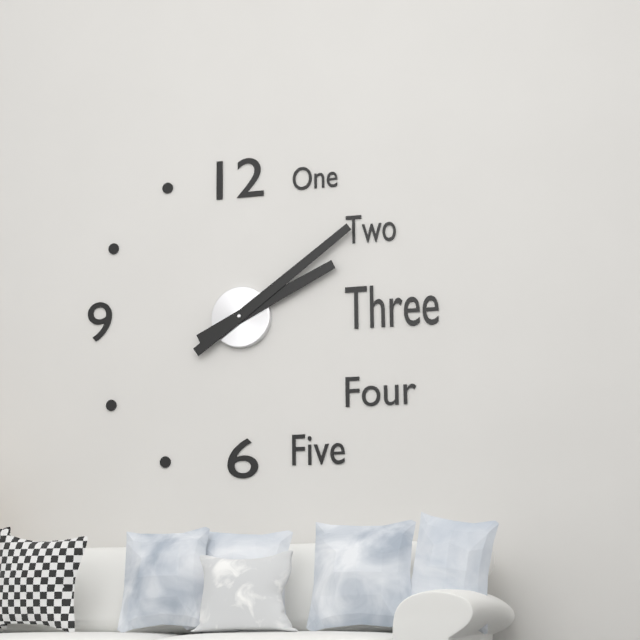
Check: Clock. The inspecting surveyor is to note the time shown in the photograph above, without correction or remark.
2:09
